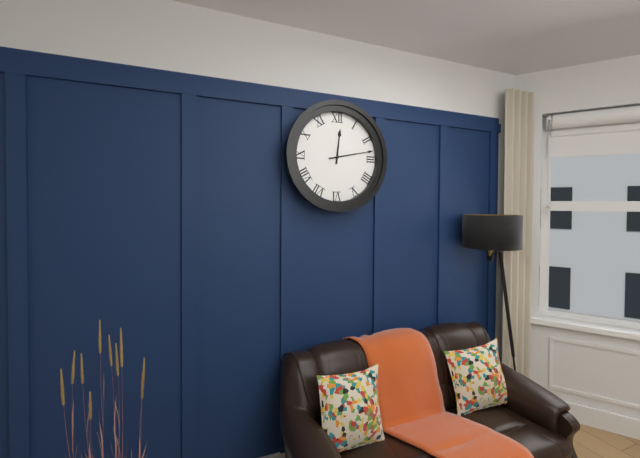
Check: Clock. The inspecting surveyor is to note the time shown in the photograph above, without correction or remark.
12:13
